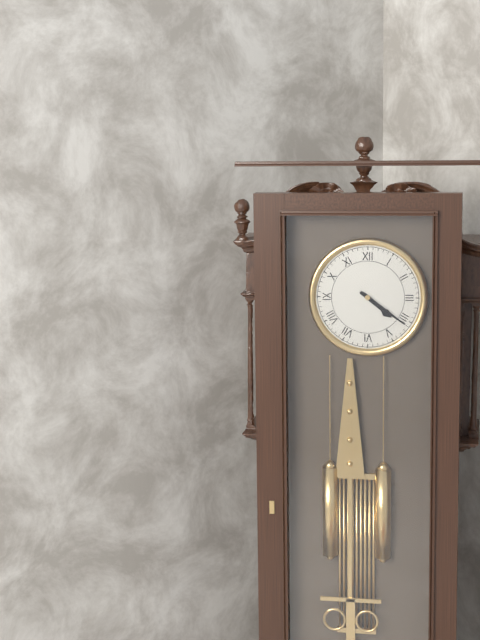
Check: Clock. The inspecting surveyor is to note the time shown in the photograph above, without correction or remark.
4:21
